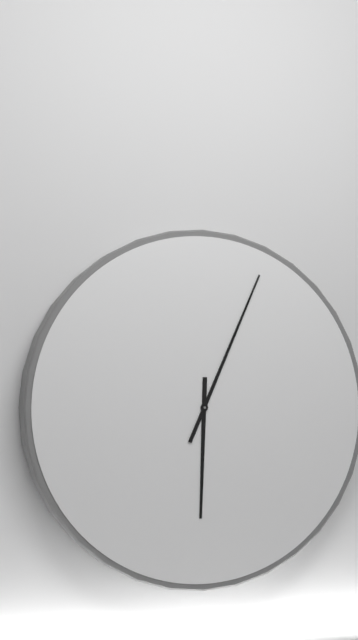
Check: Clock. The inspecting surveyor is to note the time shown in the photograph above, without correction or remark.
6:04
